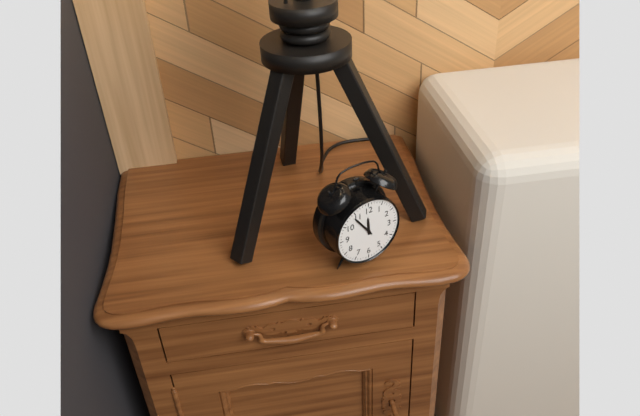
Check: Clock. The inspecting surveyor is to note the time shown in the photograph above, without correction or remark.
11:54
